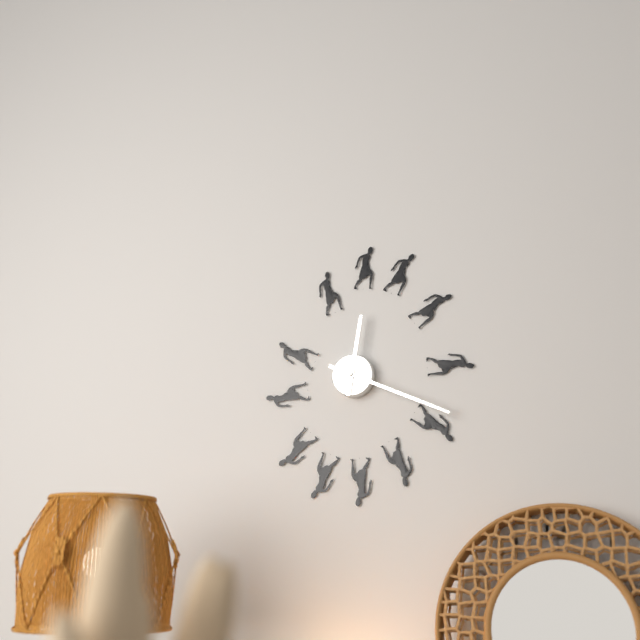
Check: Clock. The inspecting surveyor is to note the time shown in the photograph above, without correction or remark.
12:19
